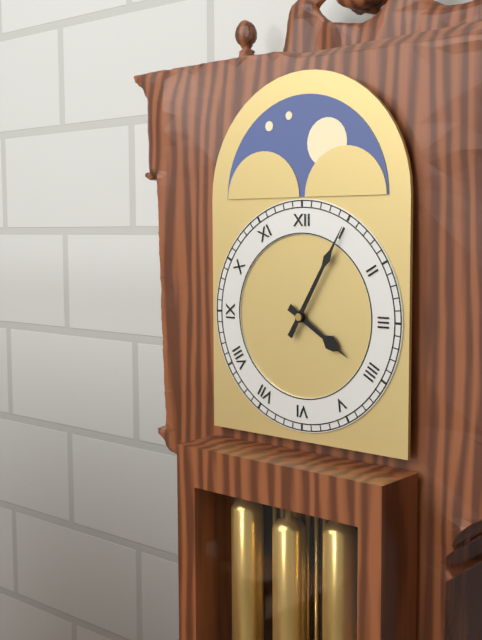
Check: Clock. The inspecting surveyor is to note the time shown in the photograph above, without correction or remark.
4:05
